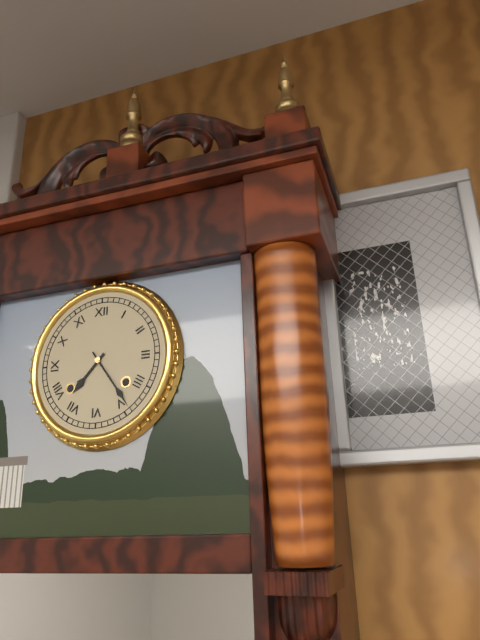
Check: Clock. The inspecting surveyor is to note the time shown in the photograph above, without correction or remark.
7:24
